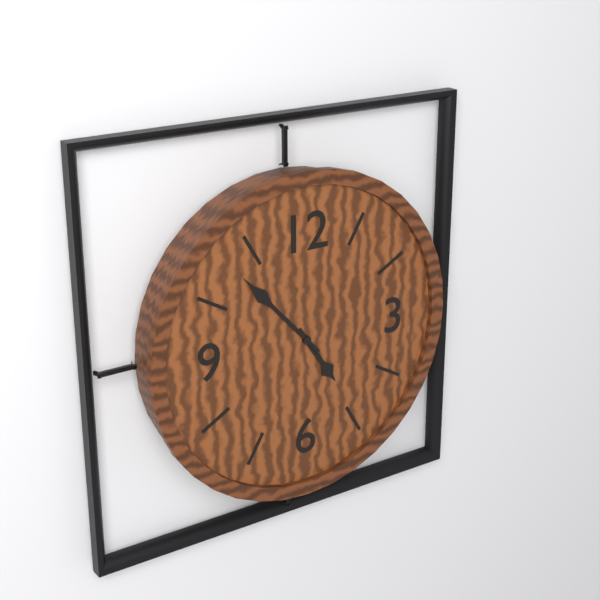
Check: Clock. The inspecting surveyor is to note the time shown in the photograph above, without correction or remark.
4:53
